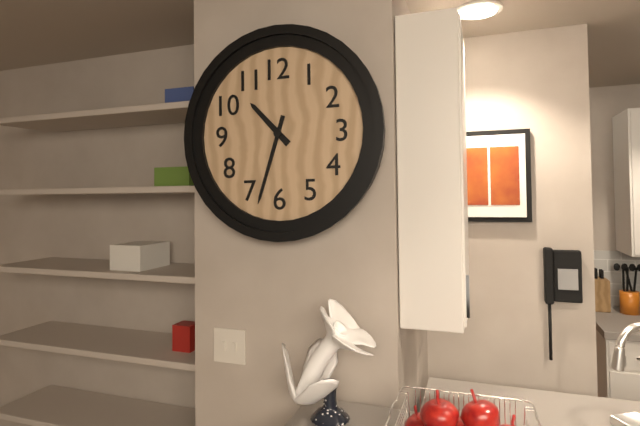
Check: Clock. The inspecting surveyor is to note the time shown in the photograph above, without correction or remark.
10:33
